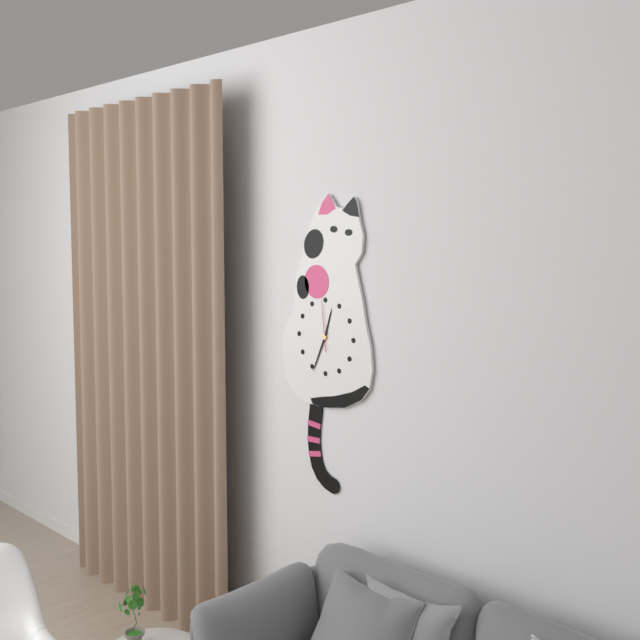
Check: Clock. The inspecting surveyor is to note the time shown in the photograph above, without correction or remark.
12:34
